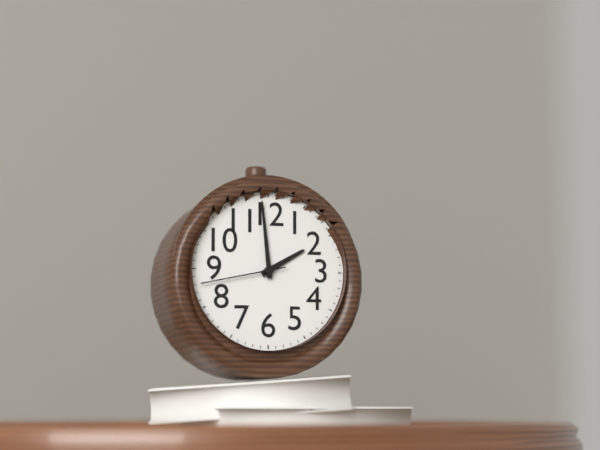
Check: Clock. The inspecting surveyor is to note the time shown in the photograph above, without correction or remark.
1:59:43
